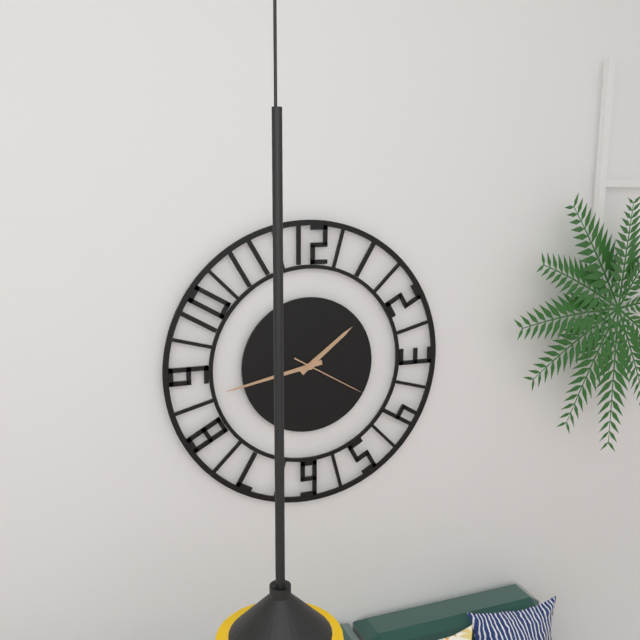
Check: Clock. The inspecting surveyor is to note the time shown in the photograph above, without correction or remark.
1:43:20
